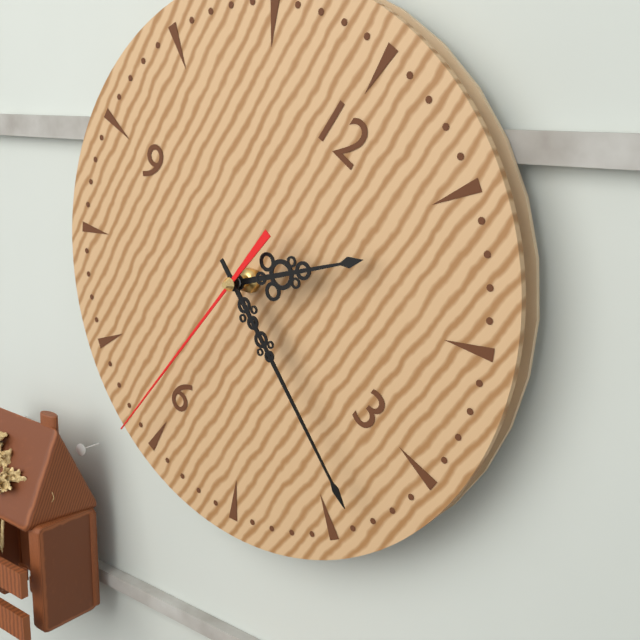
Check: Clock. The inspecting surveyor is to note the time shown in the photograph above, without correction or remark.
1:18:31
